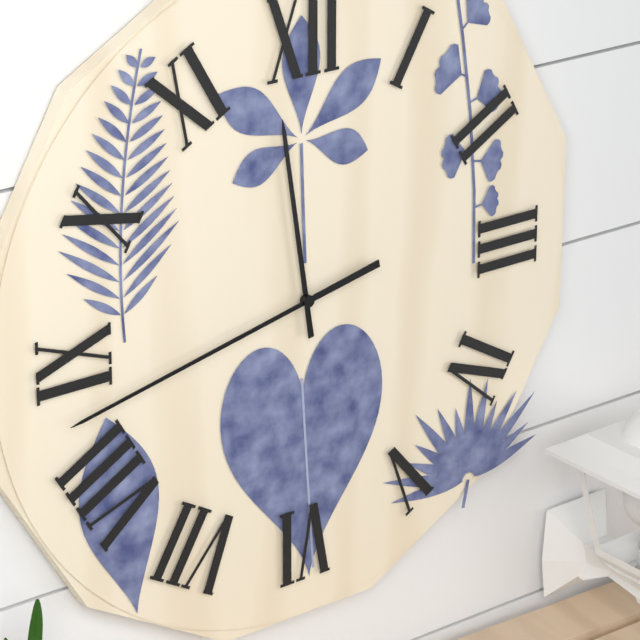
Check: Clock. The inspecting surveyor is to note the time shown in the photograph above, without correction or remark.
11:43
